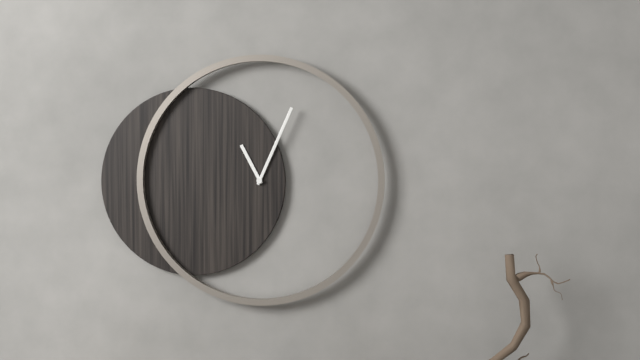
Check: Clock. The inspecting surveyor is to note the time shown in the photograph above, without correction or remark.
11:04
